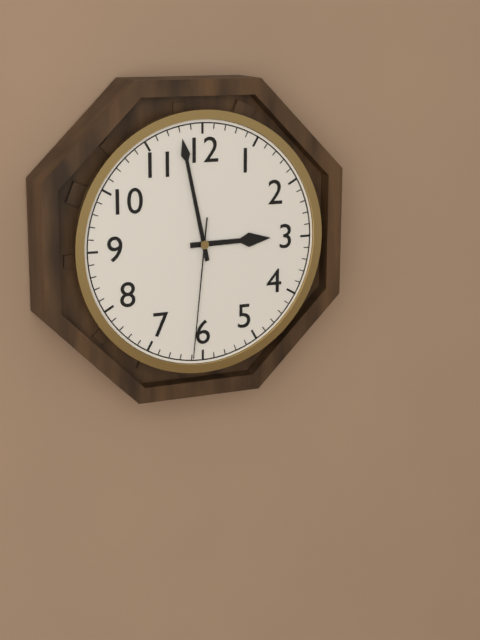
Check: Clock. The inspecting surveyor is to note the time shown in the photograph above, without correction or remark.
2:58:31
